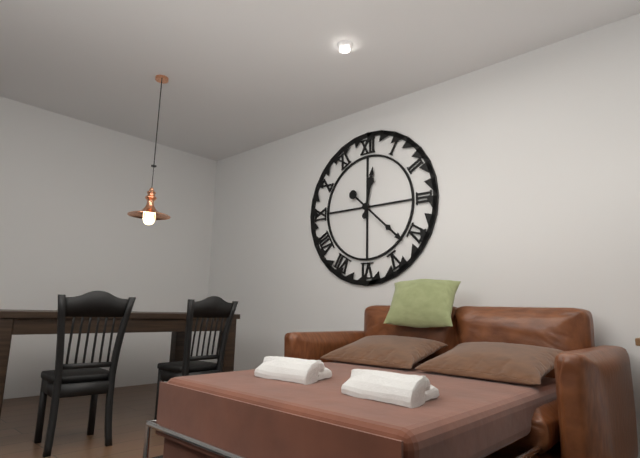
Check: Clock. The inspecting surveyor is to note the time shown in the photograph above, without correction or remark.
12:22
